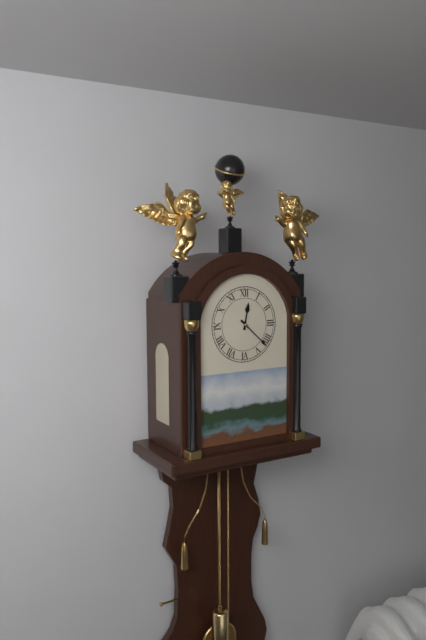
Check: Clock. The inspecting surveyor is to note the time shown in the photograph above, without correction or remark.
12:22
